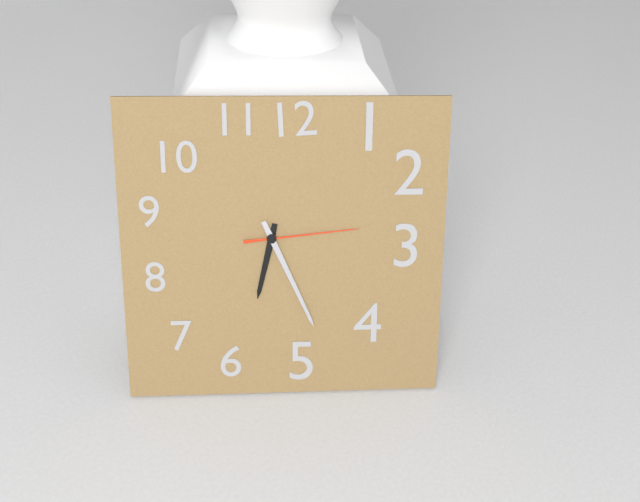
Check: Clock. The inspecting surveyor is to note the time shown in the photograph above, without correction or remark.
6:26:14
